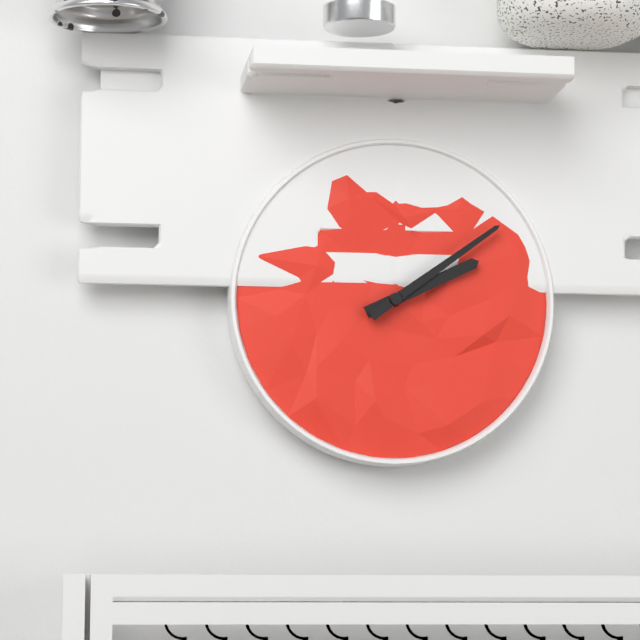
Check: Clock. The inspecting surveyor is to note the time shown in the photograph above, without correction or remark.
2:09
